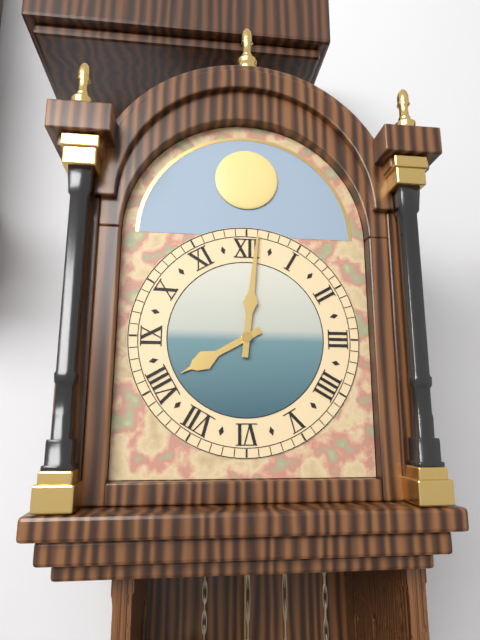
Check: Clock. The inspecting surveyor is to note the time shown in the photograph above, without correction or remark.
8:01
